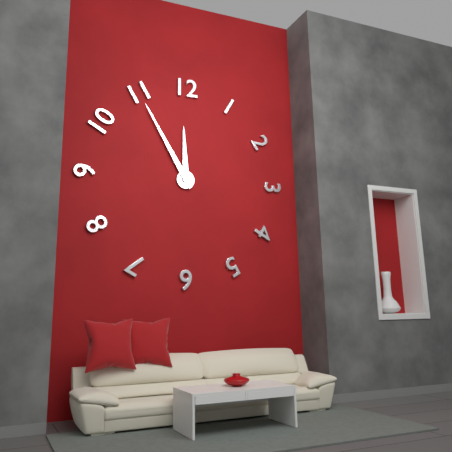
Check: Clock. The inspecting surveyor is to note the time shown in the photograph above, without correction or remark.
11:55
